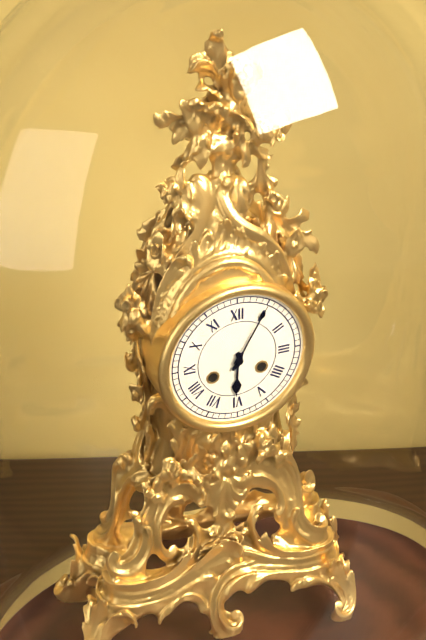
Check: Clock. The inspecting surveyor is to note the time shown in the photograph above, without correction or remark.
6:05
